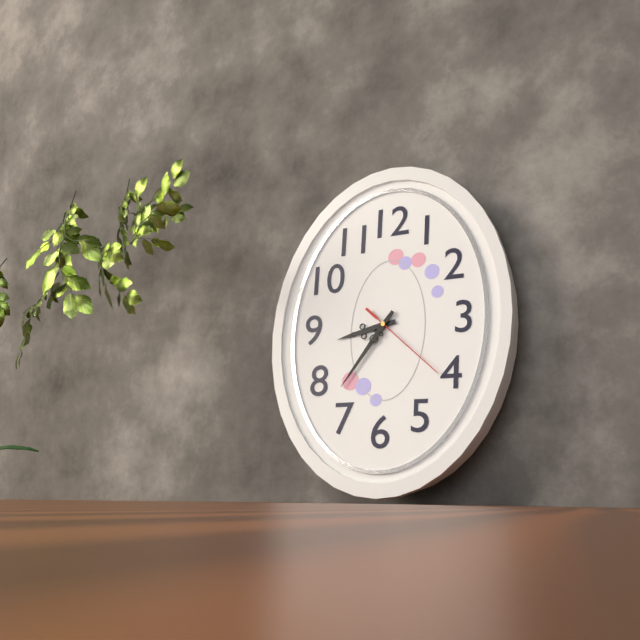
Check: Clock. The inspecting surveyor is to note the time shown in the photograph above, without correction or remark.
8:36:22
